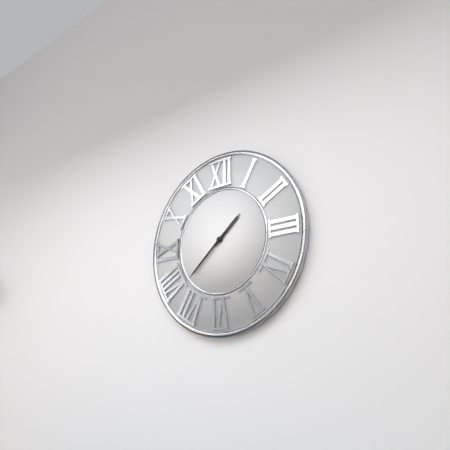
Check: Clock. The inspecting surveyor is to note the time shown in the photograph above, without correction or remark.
1:38
